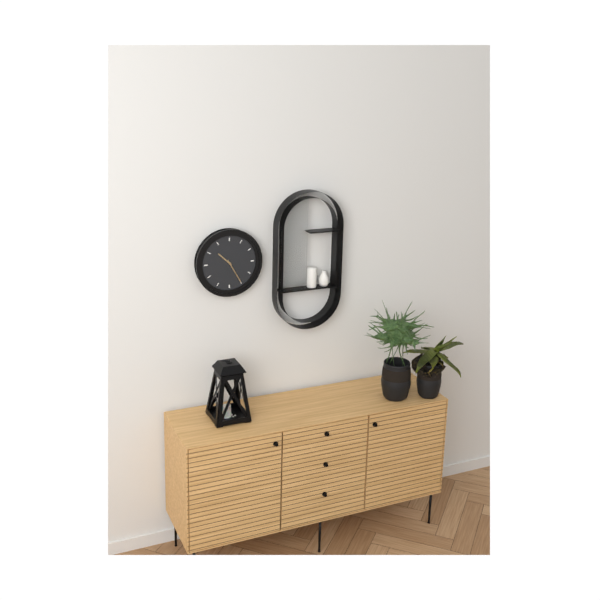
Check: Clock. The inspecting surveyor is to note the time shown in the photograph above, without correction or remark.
10:25
